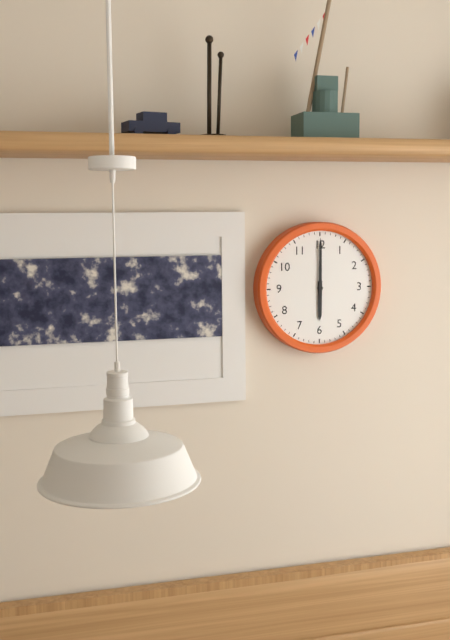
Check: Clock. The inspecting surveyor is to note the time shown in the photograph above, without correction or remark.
6:00
